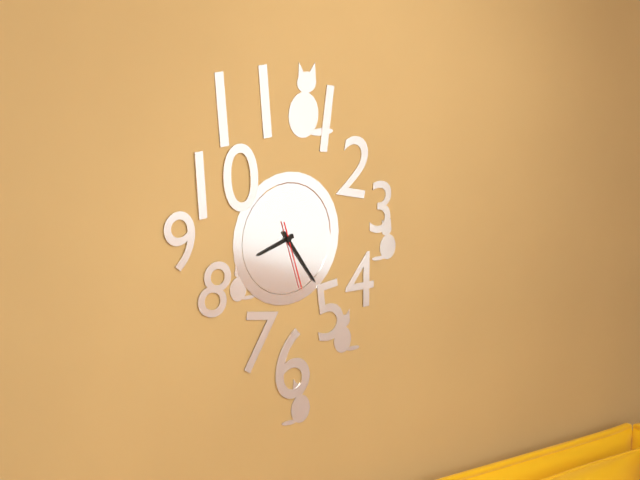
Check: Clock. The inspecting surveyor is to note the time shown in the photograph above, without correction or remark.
8:24:27
